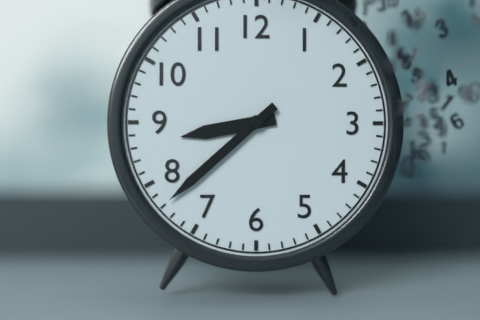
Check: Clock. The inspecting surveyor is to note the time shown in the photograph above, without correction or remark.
8:38
